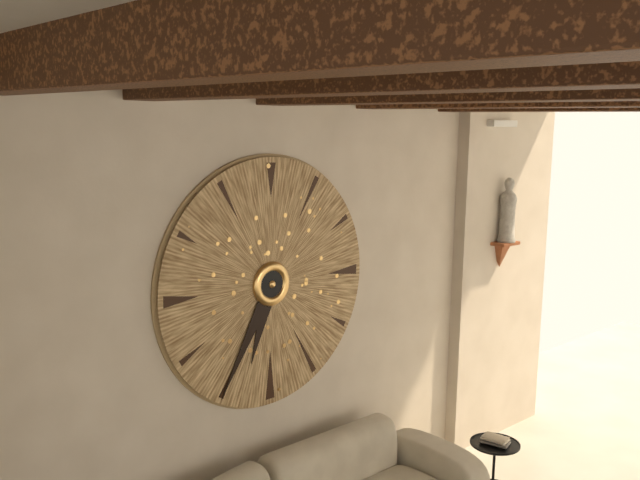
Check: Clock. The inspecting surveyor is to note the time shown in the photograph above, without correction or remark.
6:35
